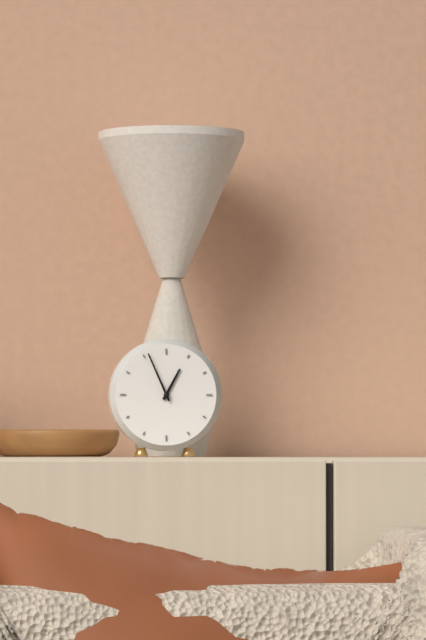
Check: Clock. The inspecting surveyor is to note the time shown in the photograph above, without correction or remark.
12:56
